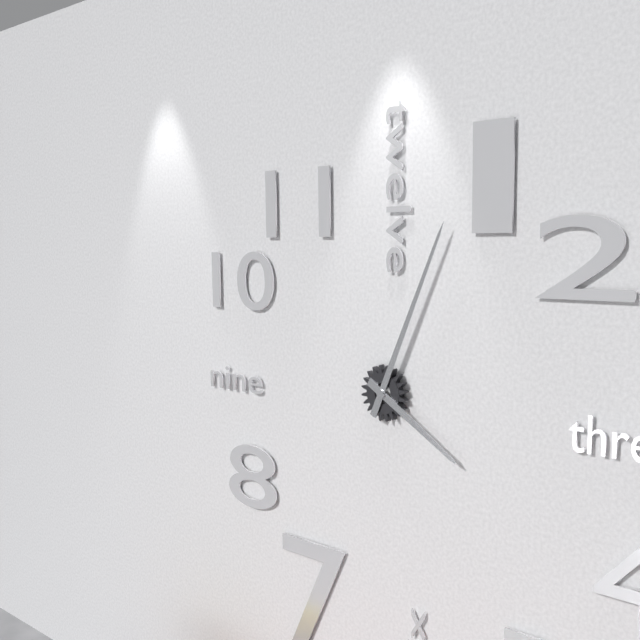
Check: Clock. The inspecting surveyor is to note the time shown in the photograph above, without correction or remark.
4:04
